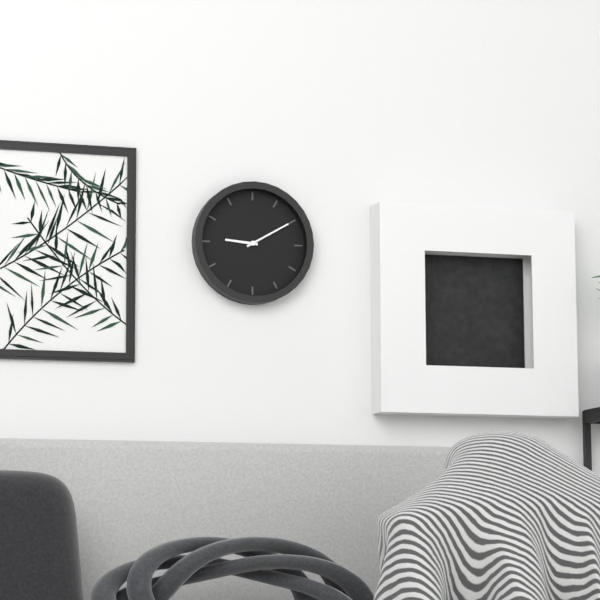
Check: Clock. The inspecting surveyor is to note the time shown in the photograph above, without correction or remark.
9:10
